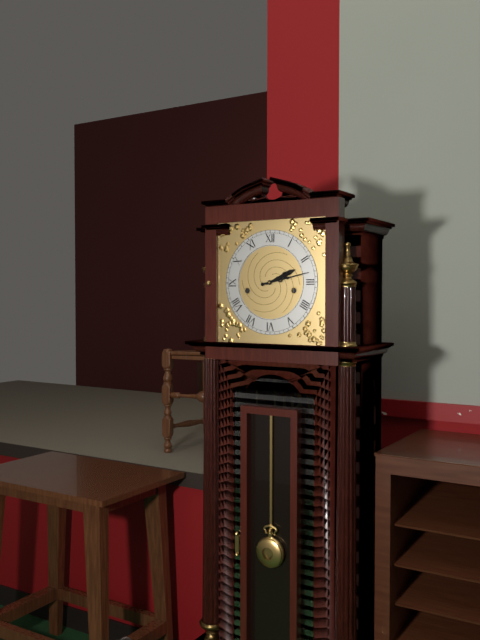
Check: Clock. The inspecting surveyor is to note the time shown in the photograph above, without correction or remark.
2:13
